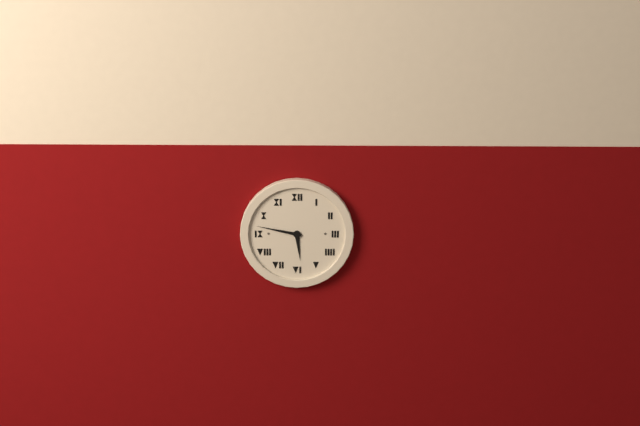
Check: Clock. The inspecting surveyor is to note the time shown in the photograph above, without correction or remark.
5:47
